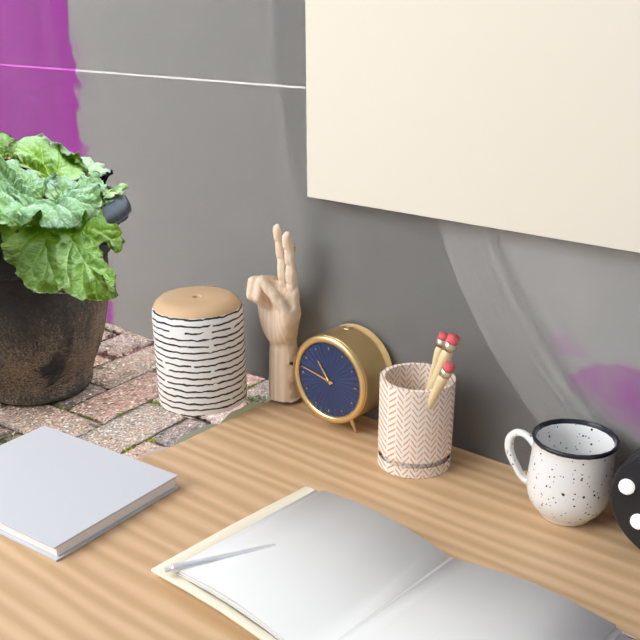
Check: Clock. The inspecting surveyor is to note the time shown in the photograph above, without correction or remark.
10:47
